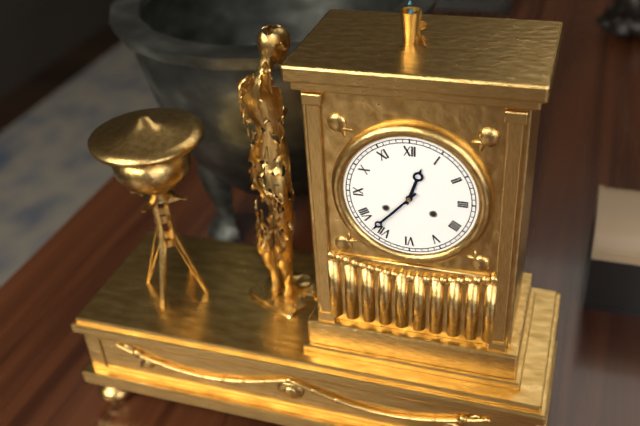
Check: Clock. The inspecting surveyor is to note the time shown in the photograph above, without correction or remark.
12:37
